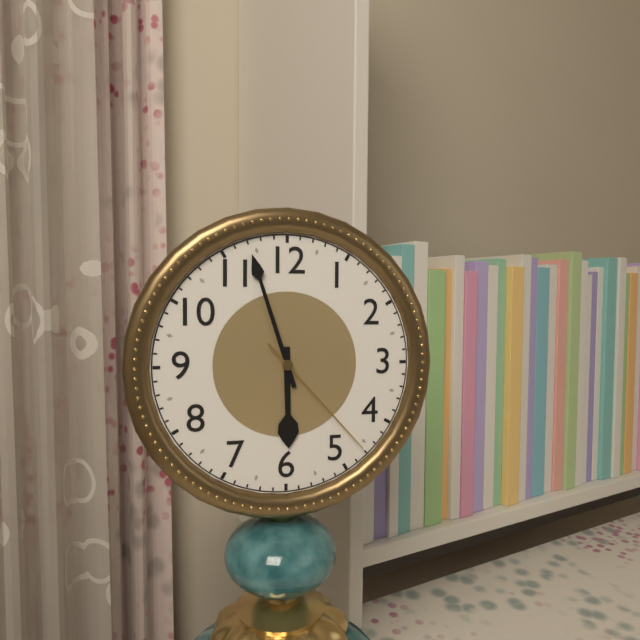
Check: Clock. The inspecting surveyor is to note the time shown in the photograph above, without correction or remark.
5:57:23
